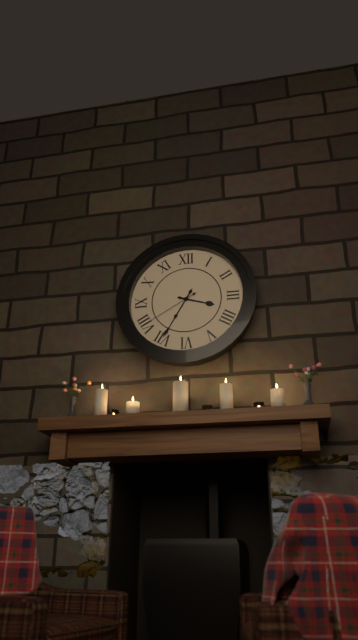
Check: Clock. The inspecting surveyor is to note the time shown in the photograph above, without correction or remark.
3:35:40
